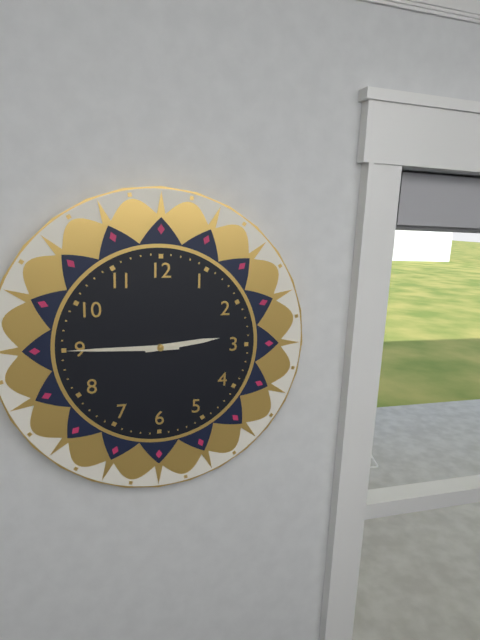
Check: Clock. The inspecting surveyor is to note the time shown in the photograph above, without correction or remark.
2:45
